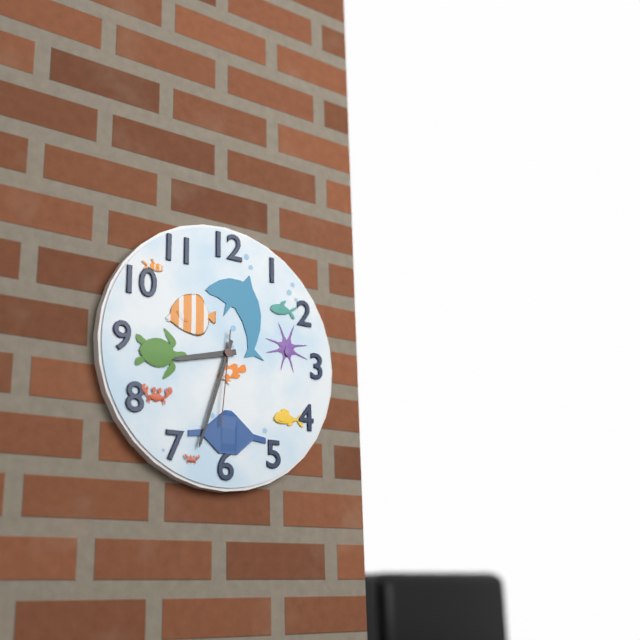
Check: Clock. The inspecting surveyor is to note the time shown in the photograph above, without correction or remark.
8:33:31
